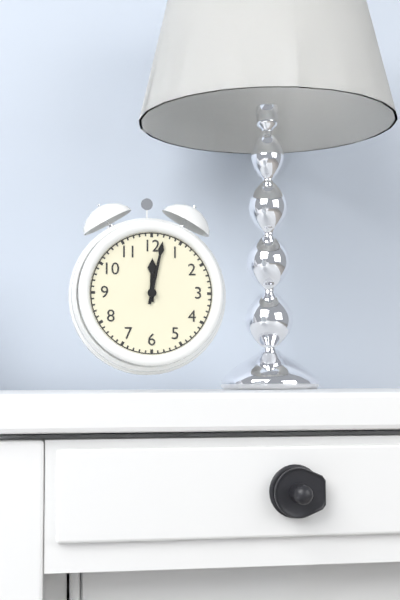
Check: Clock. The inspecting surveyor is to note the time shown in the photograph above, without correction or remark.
12:02
